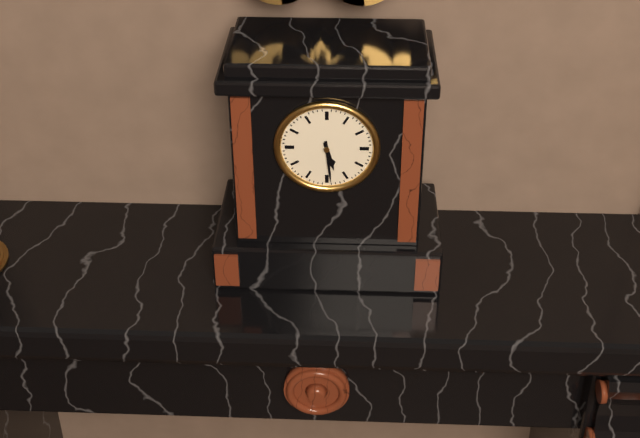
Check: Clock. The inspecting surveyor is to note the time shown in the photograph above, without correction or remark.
5:29
